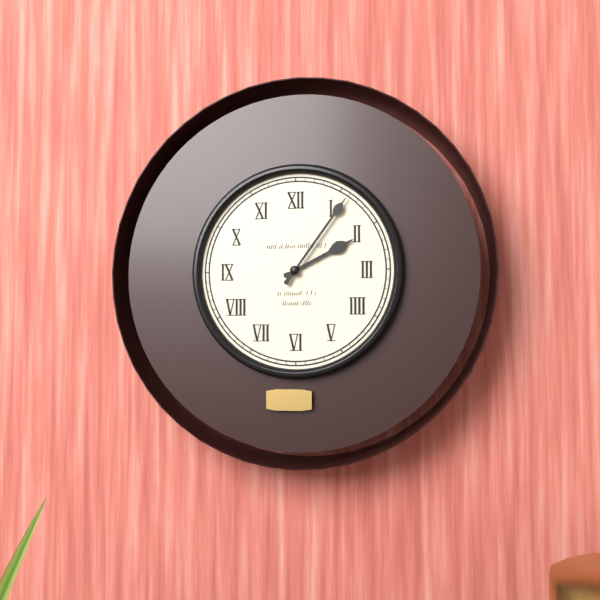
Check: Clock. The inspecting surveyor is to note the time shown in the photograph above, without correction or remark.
2:06
